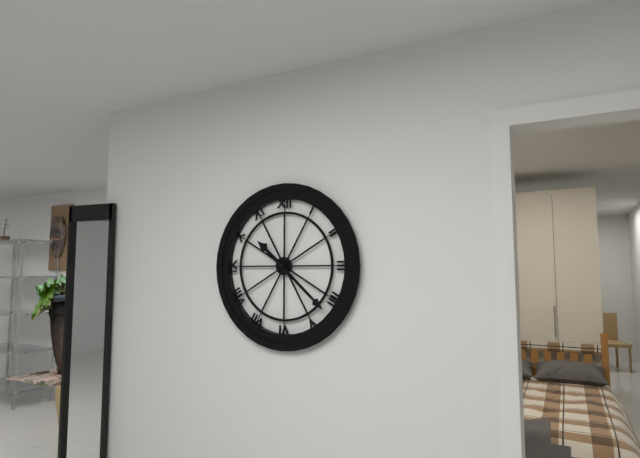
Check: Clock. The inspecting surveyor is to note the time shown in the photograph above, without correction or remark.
10:22
